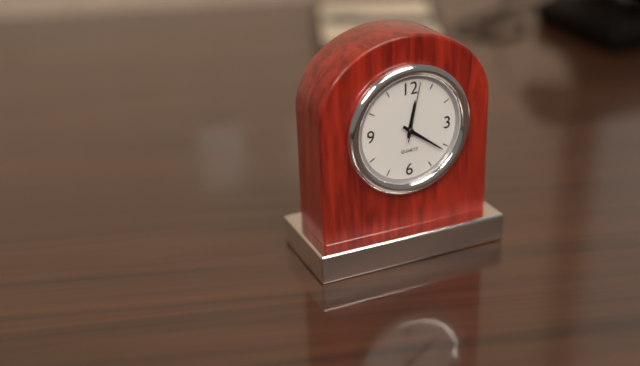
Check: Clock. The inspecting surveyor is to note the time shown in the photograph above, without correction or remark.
12:21:02
